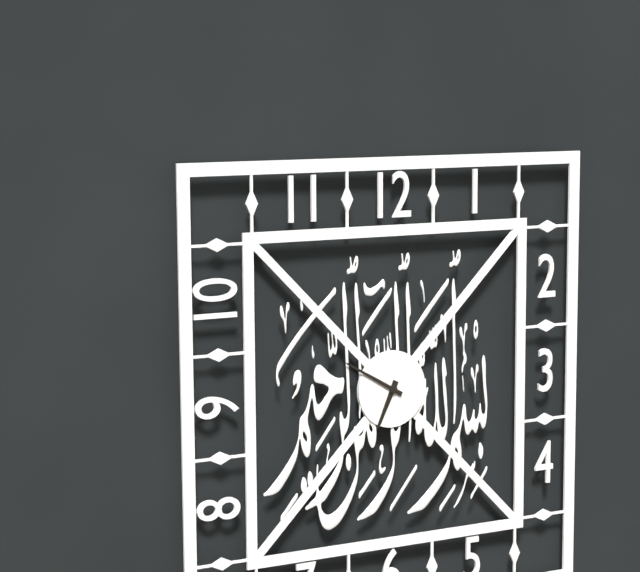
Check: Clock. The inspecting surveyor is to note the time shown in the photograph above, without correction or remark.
6:50
